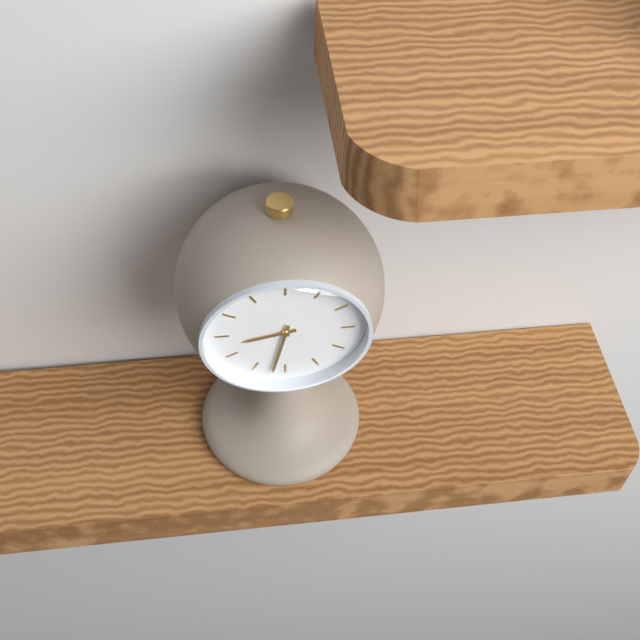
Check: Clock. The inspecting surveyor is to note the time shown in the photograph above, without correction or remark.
8:32
